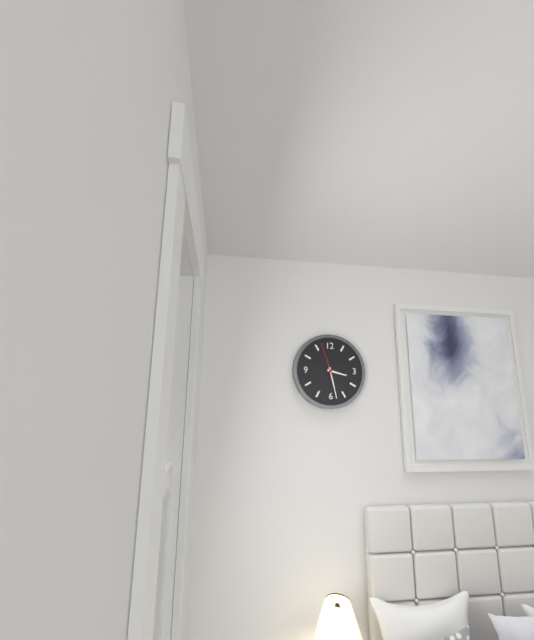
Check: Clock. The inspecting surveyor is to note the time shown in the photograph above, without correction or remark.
3:28
